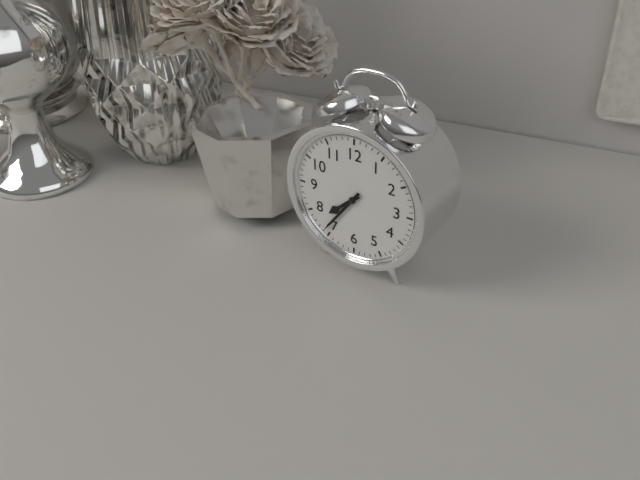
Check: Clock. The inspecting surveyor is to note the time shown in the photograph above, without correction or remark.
7:36
